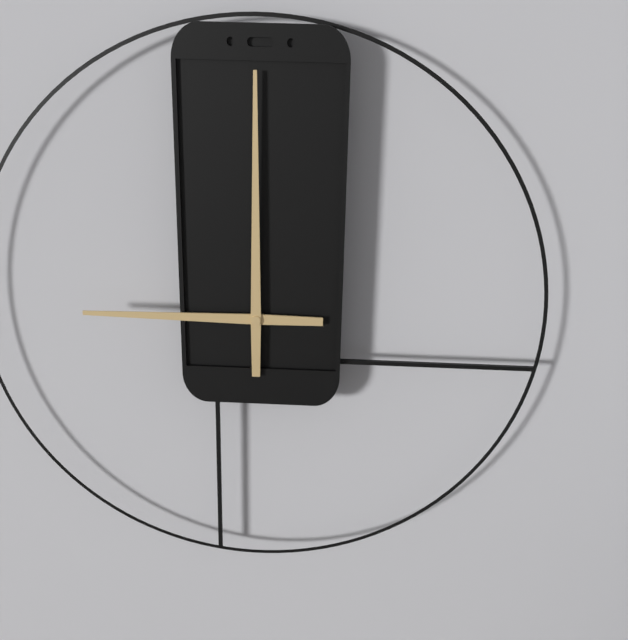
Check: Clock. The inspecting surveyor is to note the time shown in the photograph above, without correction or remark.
9:00
